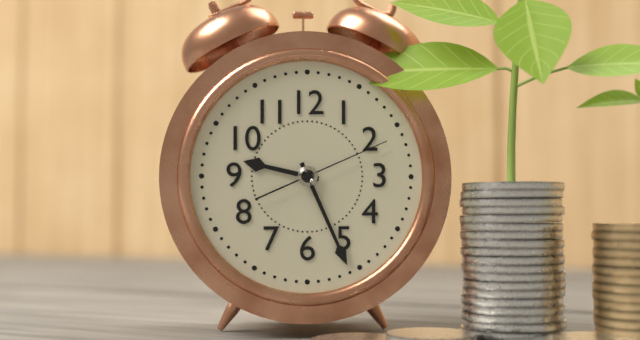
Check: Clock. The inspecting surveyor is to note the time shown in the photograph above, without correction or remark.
9:26:11
